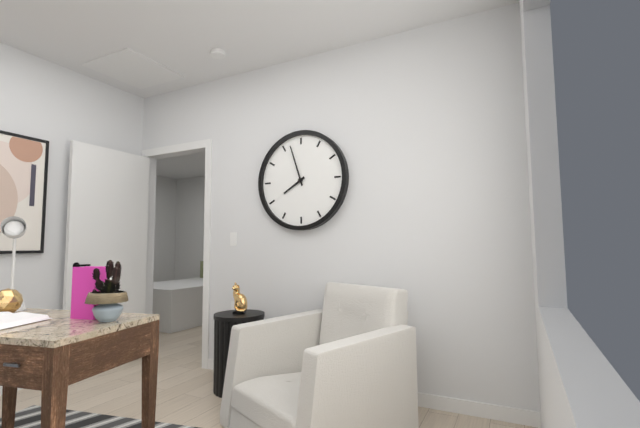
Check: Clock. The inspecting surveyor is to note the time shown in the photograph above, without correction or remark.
7:57
